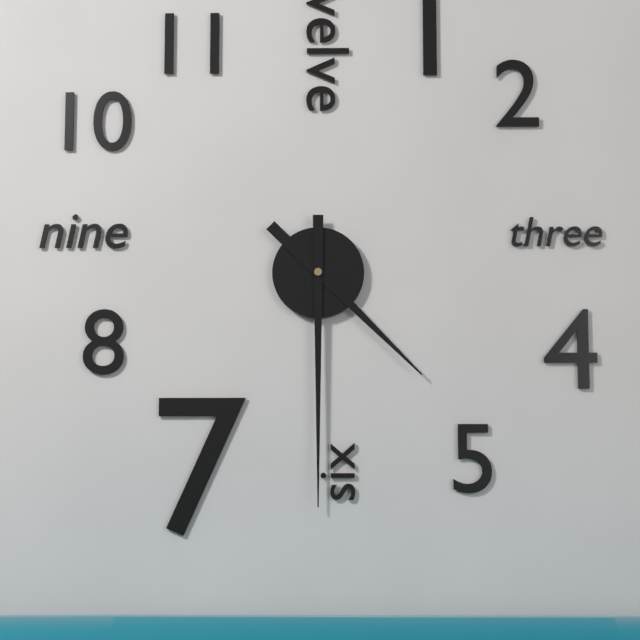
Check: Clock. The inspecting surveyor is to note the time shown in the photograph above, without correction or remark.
4:30
